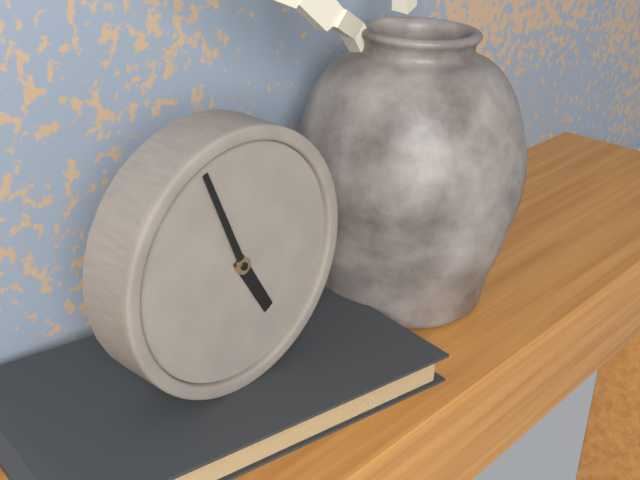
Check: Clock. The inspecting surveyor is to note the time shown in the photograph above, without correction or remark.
4:56
